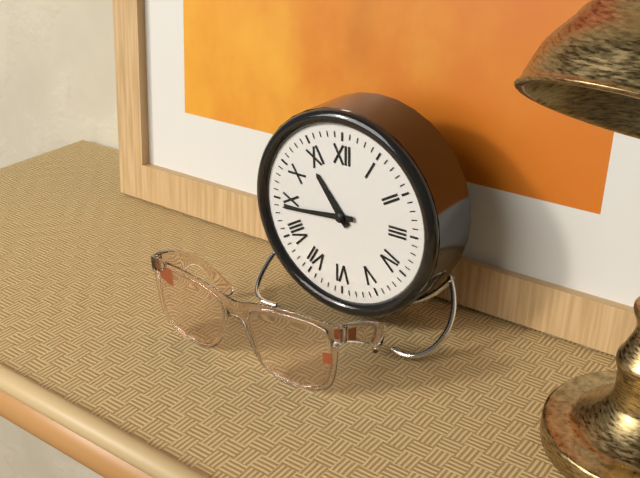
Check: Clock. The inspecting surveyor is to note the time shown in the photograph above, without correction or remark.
10:44
